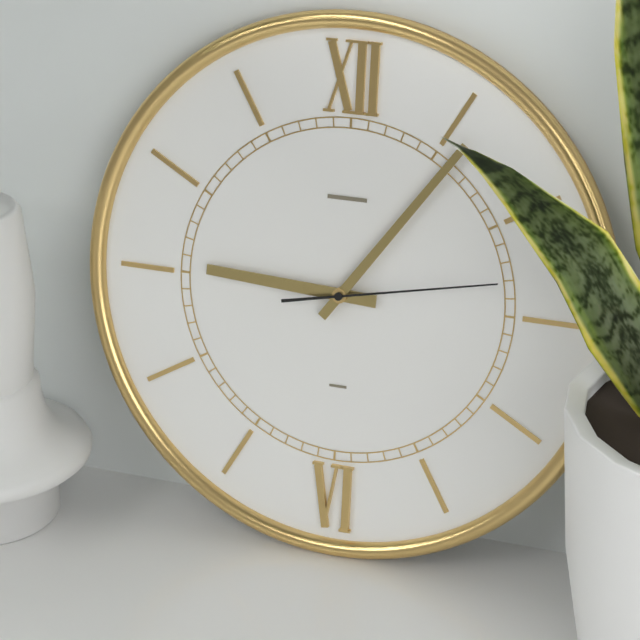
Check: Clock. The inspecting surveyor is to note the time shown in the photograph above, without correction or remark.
9:06:13
